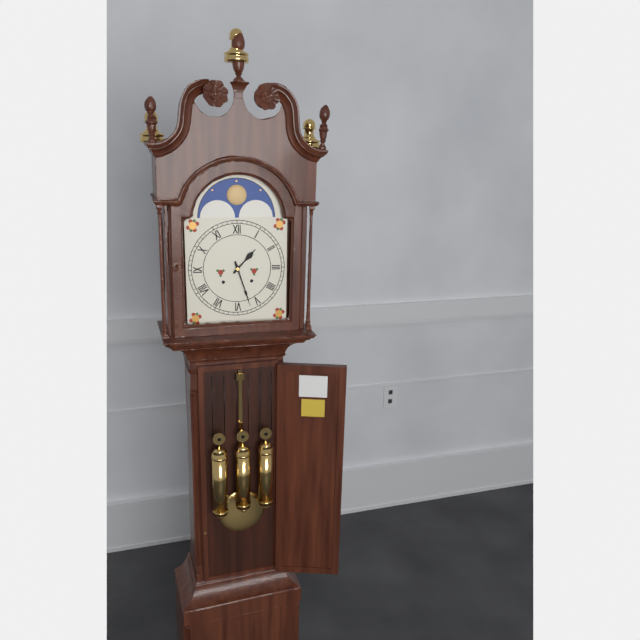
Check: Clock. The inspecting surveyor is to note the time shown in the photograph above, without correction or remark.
1:27
